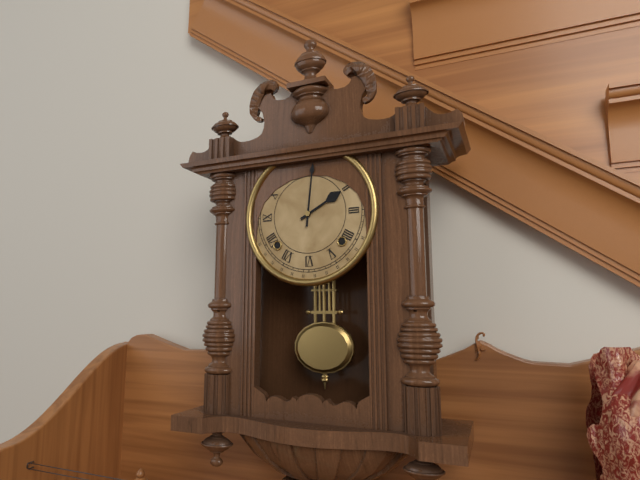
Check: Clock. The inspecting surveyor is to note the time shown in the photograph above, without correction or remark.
2:01
